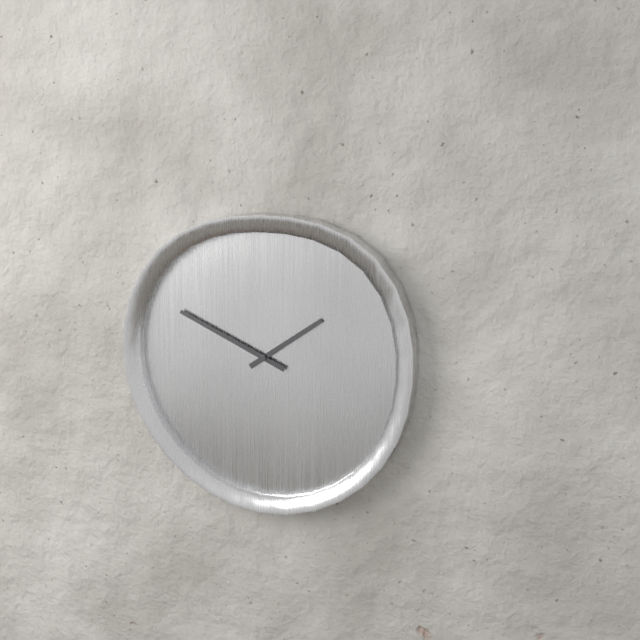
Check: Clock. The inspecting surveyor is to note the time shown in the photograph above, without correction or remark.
1:49
